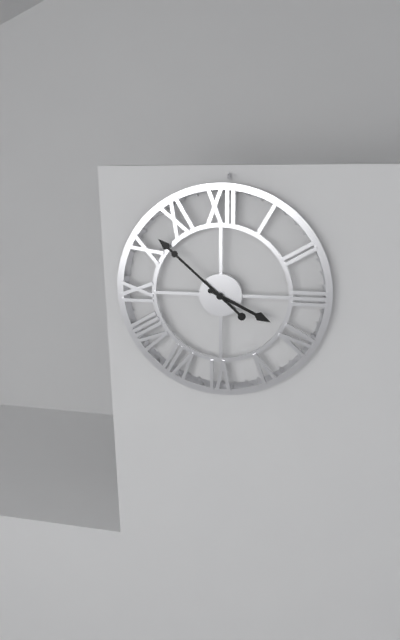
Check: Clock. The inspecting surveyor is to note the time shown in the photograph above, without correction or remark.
3:52
